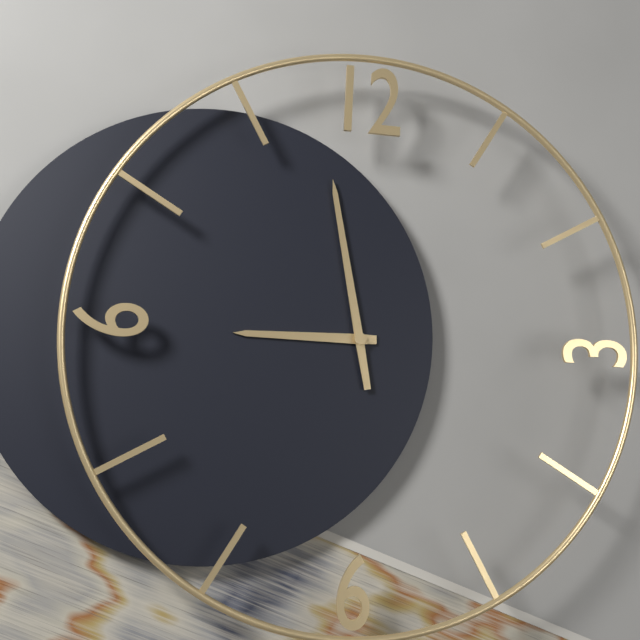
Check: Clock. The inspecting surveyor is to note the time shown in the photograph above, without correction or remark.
8:58
